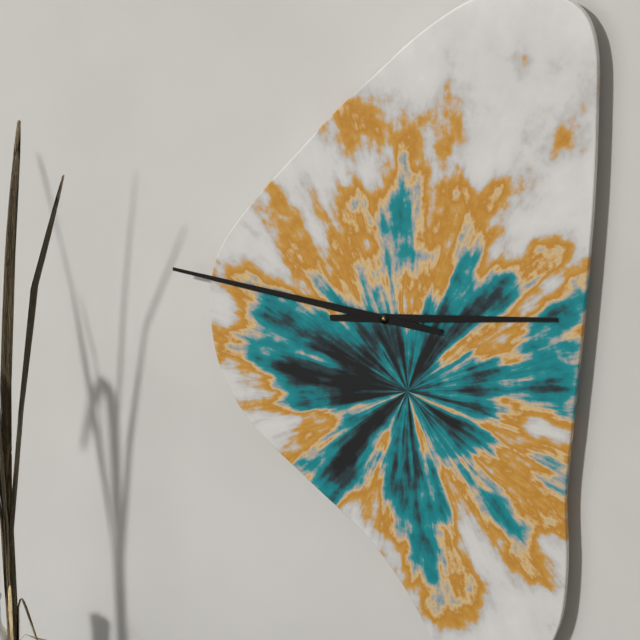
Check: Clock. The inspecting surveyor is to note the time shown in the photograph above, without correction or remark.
2:46
